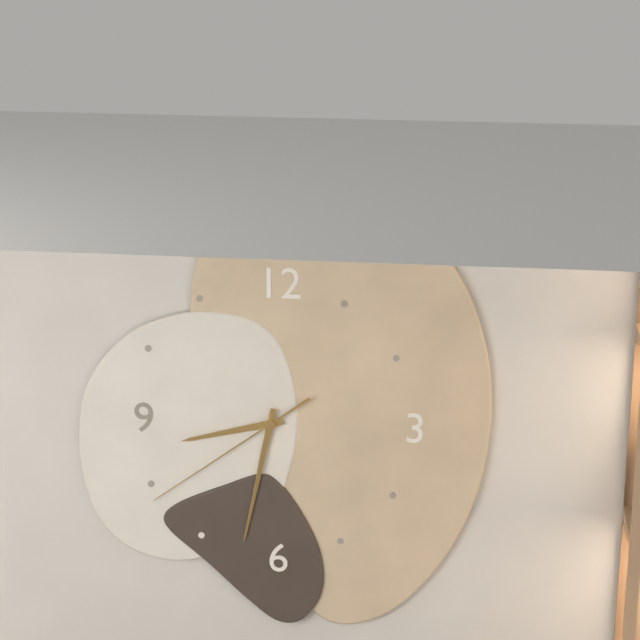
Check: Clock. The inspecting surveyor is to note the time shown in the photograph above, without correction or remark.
8:32:39
